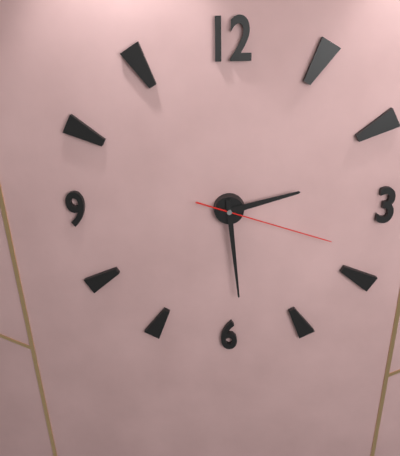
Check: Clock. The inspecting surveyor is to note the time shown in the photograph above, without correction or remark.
2:29:18
